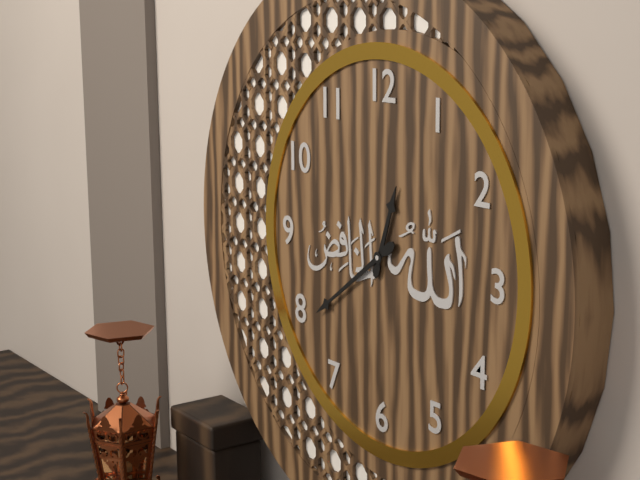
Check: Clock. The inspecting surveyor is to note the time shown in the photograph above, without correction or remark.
12:39
